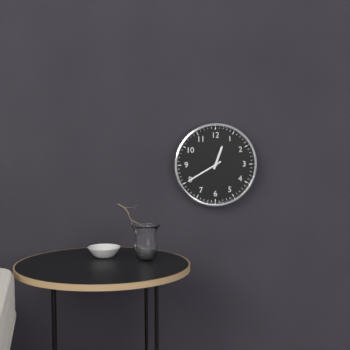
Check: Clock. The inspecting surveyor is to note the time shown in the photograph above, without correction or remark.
12:40
